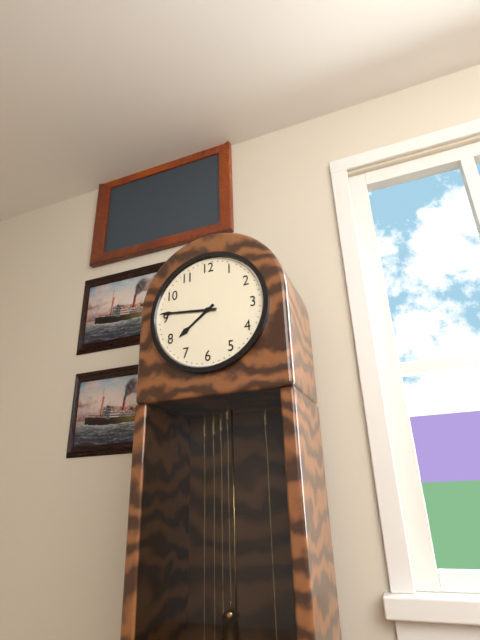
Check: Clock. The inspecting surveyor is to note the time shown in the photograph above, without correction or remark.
7:46
